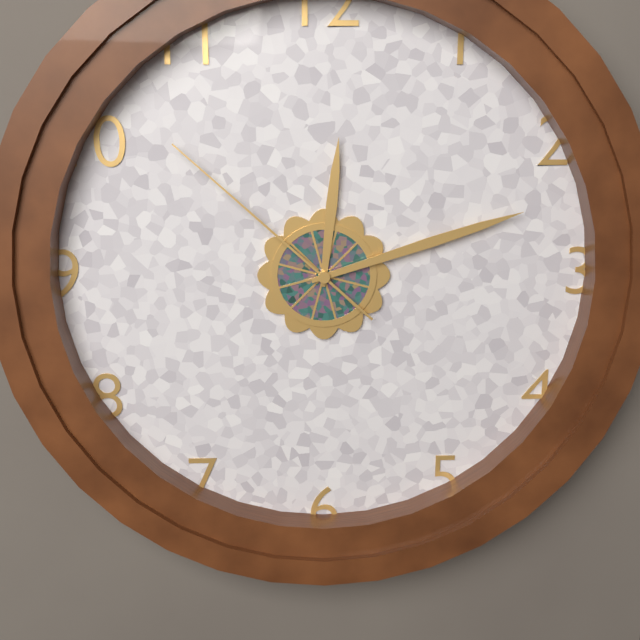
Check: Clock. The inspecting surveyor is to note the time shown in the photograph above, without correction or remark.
12:12:52
